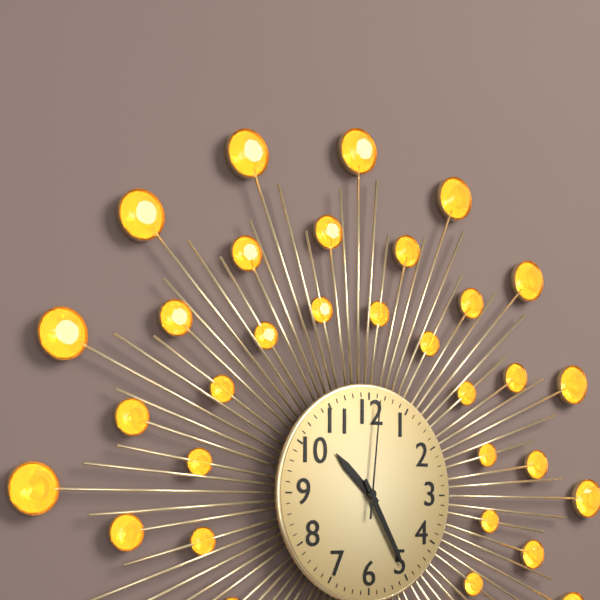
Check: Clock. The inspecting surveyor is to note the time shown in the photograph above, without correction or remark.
10:25:01
